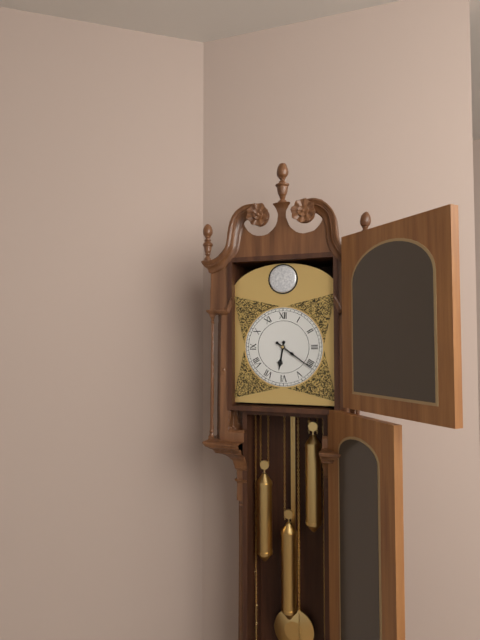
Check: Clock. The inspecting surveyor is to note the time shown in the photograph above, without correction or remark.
6:21
